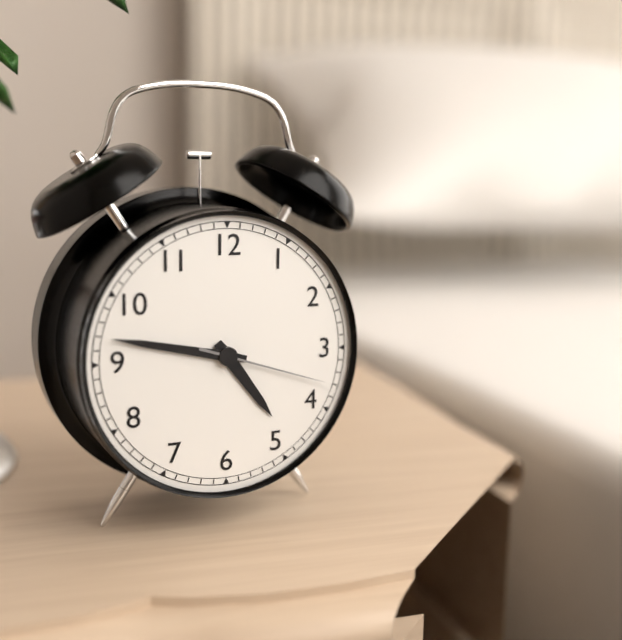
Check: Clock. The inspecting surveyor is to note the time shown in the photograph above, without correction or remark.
4:47:18
